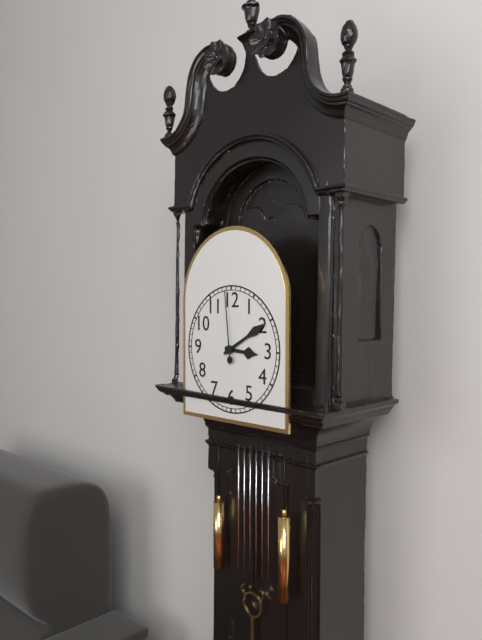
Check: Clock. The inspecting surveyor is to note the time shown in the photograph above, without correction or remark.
3:10:59
